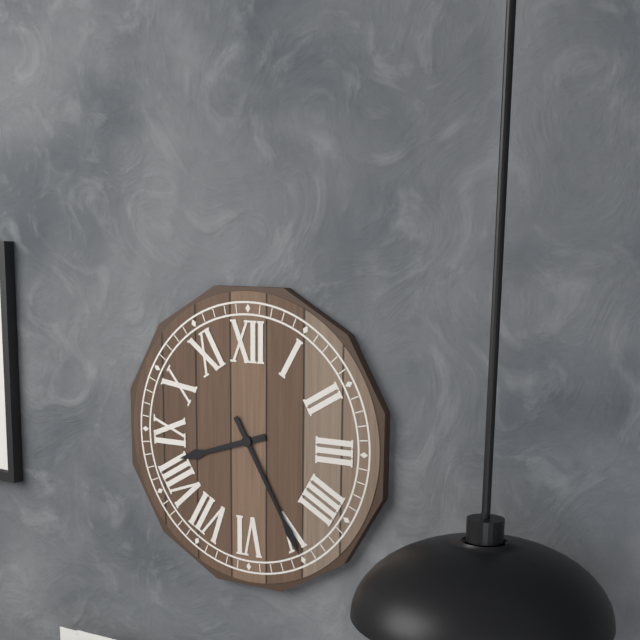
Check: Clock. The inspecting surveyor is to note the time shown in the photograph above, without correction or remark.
8:25
